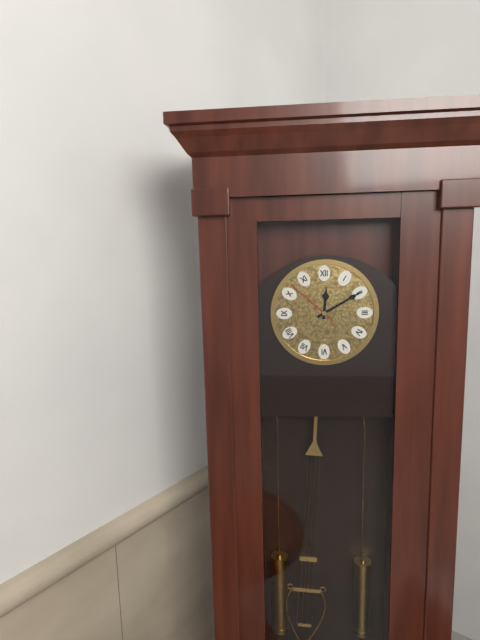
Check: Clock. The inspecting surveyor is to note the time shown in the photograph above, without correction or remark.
12:10:52
